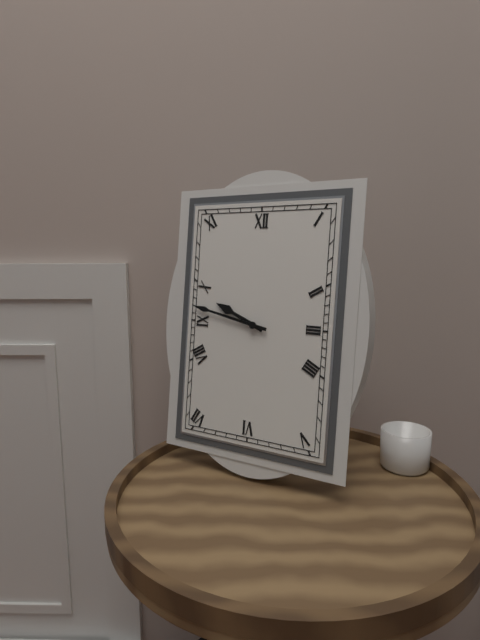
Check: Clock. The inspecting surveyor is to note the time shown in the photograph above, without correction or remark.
9:47
